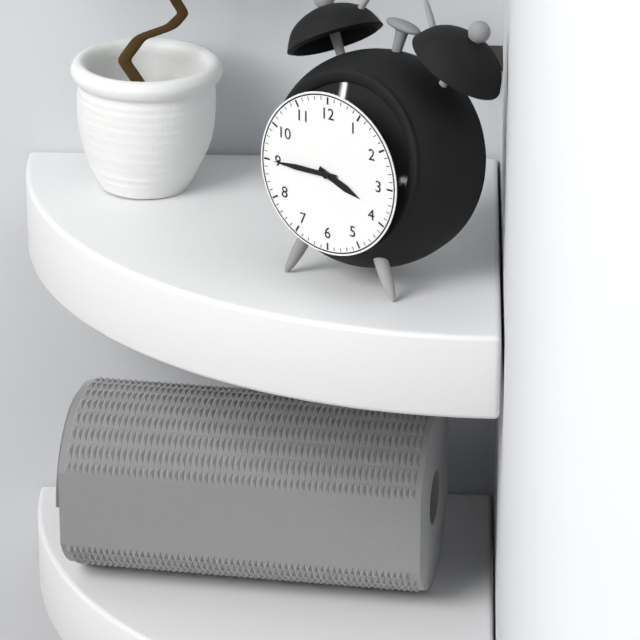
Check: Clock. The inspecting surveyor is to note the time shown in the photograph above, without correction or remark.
3:45
